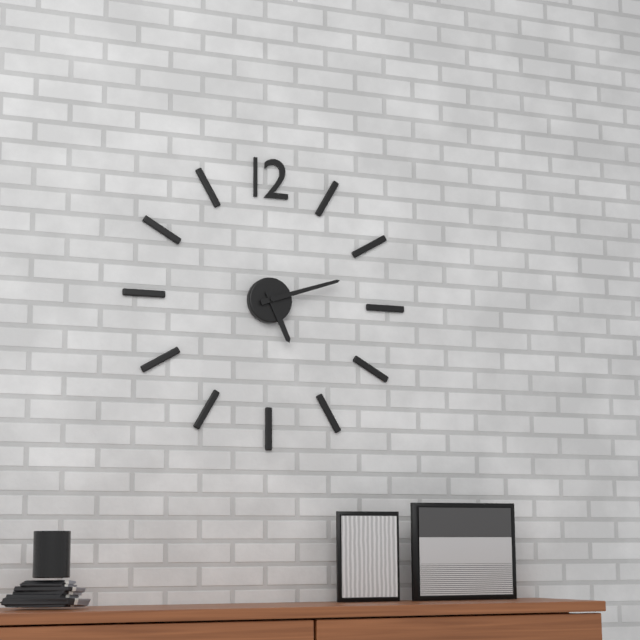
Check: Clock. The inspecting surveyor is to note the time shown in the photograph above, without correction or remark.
5:12
